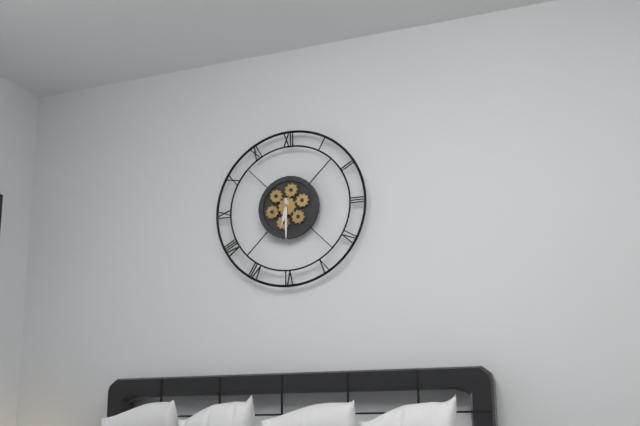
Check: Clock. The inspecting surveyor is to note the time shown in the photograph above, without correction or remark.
6:30
